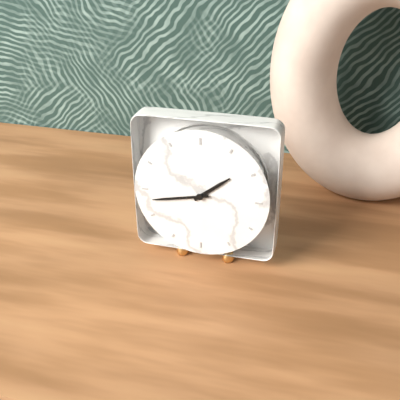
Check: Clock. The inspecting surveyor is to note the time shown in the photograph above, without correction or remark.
1:43
